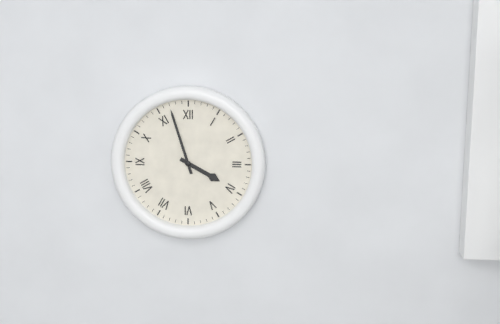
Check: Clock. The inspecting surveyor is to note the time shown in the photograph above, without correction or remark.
3:57
